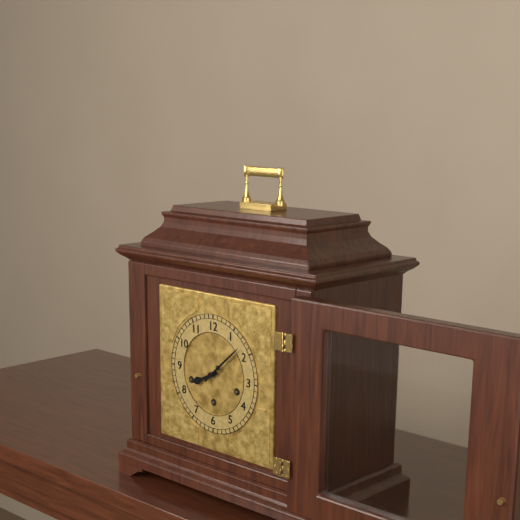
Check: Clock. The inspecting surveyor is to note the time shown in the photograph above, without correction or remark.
8:08
